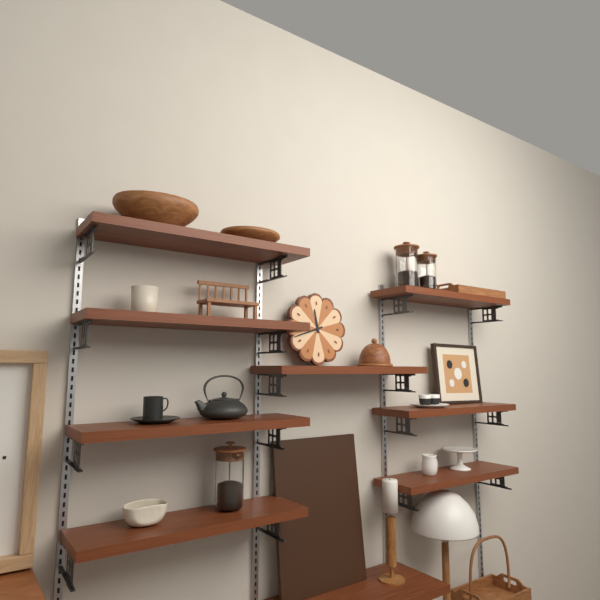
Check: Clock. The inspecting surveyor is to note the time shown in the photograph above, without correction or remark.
11:42
